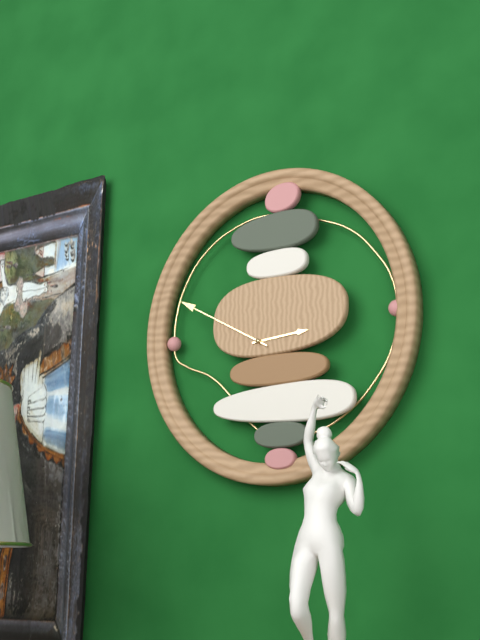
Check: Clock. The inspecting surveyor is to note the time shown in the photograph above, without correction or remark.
2:50
